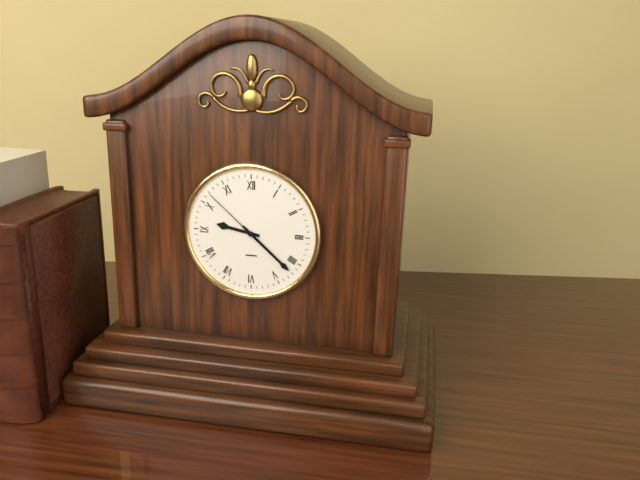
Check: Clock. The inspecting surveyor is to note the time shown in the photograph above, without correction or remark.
9:22:52
